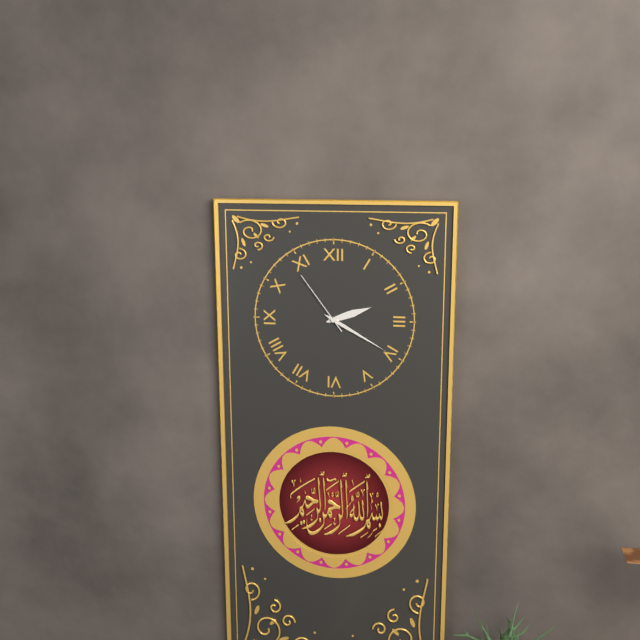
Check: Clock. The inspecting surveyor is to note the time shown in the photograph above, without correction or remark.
2:20:54
